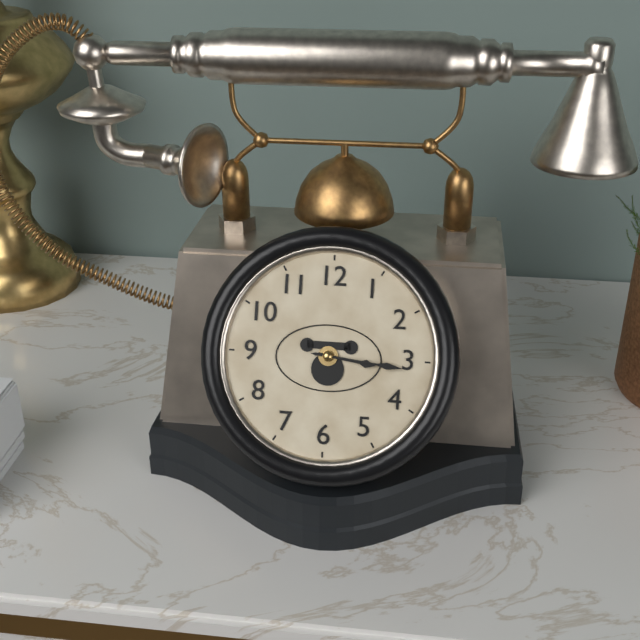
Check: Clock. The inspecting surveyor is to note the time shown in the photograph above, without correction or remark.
3:16
